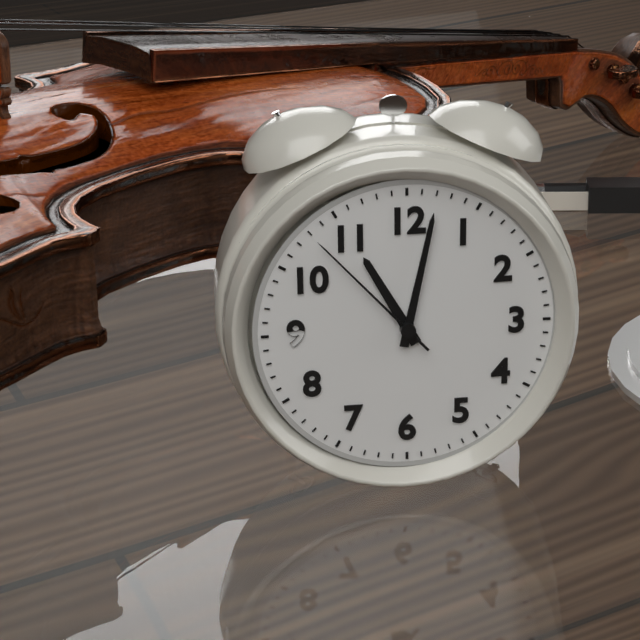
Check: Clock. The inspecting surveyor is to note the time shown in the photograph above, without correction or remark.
11:02:53
